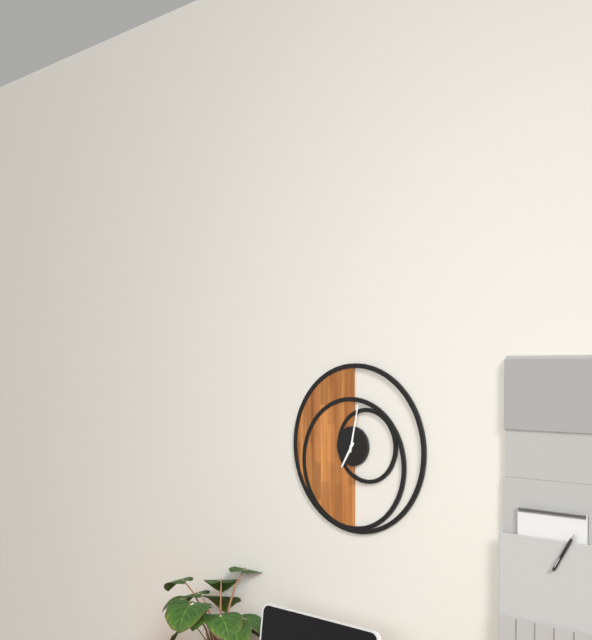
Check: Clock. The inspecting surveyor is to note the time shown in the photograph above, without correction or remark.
7:02
